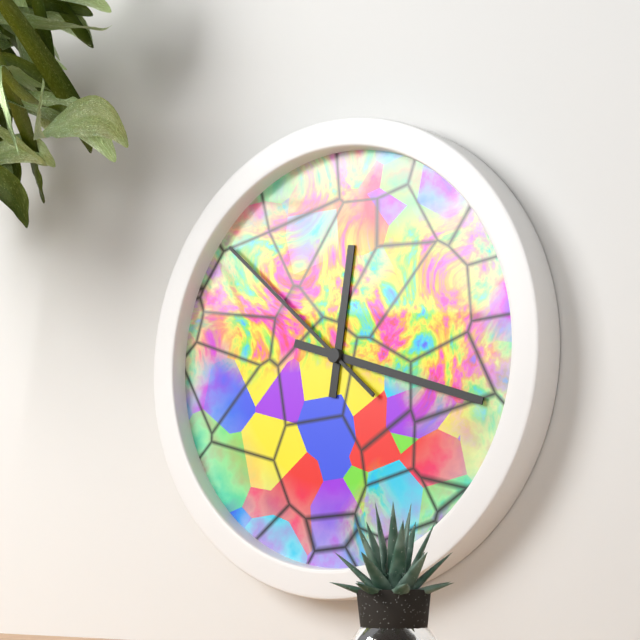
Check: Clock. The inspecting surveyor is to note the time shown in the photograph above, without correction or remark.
12:18:52
